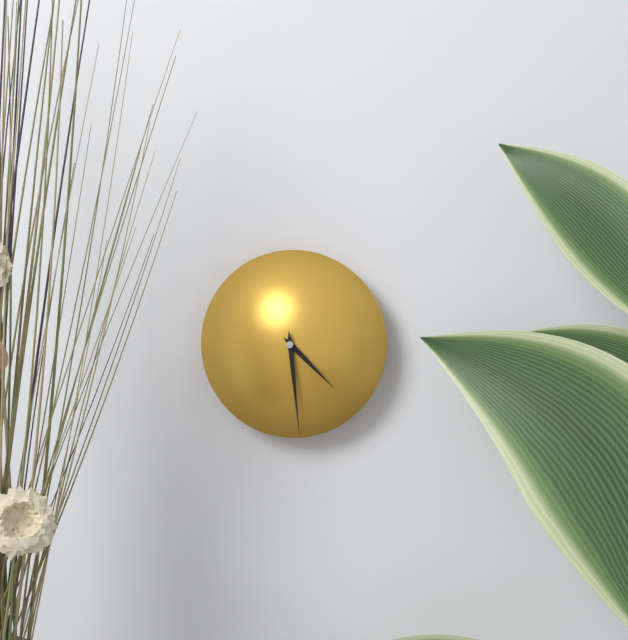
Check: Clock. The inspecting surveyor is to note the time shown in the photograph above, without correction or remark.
4:29
